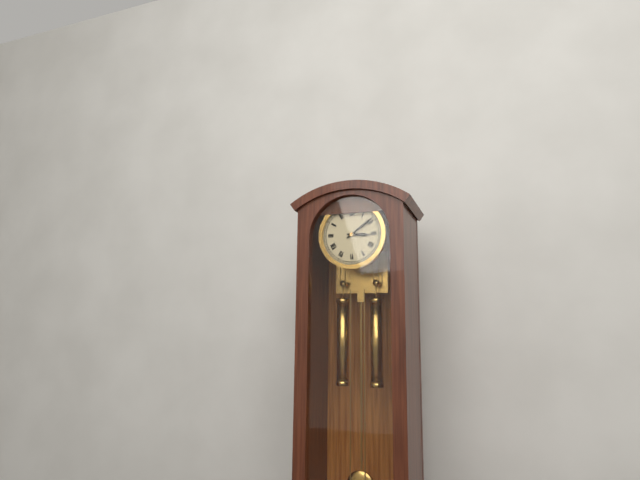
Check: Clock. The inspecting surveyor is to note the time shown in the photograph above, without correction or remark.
3:09
